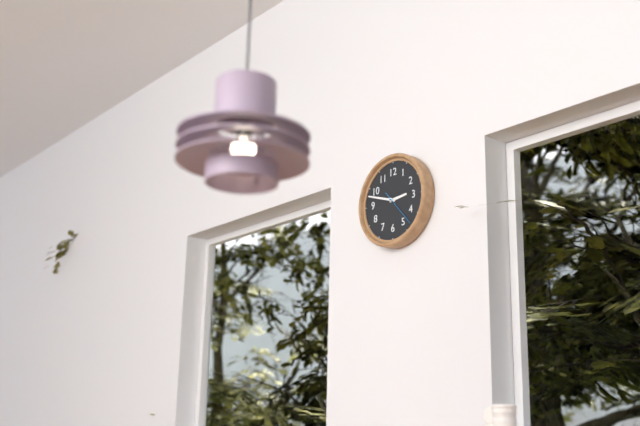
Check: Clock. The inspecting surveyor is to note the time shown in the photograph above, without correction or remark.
2:48
